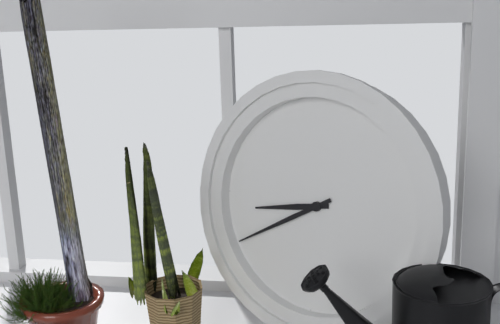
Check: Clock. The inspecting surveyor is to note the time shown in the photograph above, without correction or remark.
8:40
